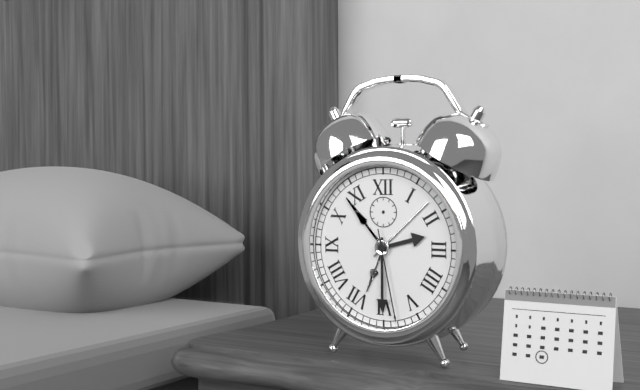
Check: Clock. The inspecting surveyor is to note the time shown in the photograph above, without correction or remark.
2:30:28
